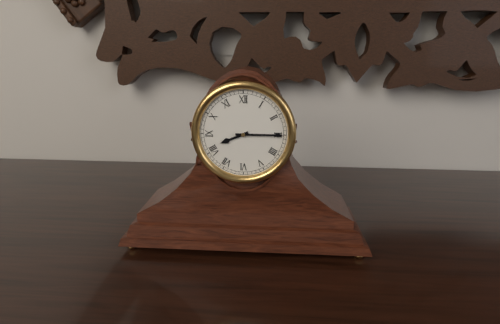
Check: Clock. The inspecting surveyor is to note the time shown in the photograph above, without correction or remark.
8:15
